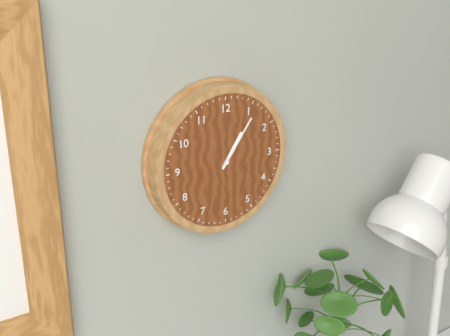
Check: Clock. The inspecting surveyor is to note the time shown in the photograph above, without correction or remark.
1:06
